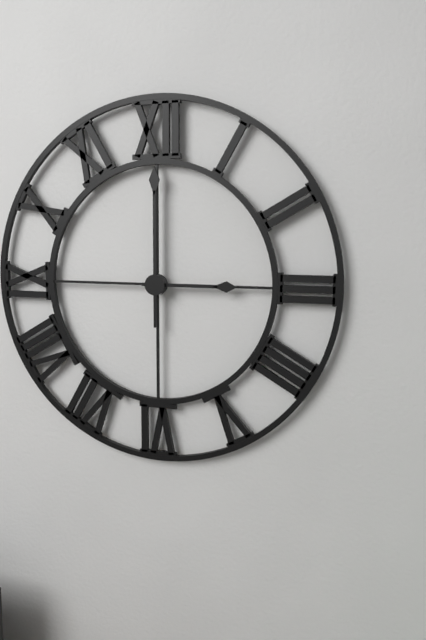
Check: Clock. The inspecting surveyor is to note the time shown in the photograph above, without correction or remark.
3:00
